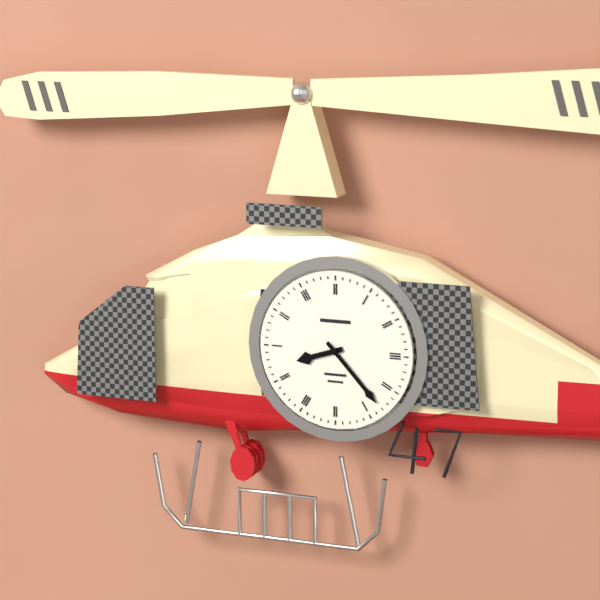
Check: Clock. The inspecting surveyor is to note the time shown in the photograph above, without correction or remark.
8:23
